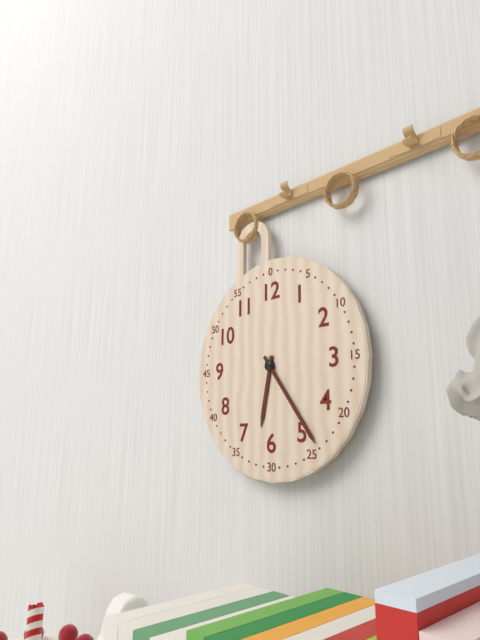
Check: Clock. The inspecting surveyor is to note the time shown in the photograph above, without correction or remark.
6:24
